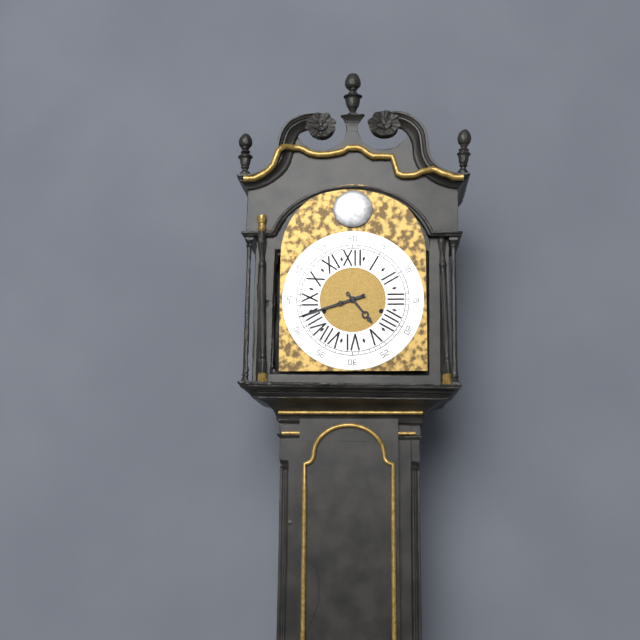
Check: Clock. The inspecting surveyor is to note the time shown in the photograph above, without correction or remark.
4:42
